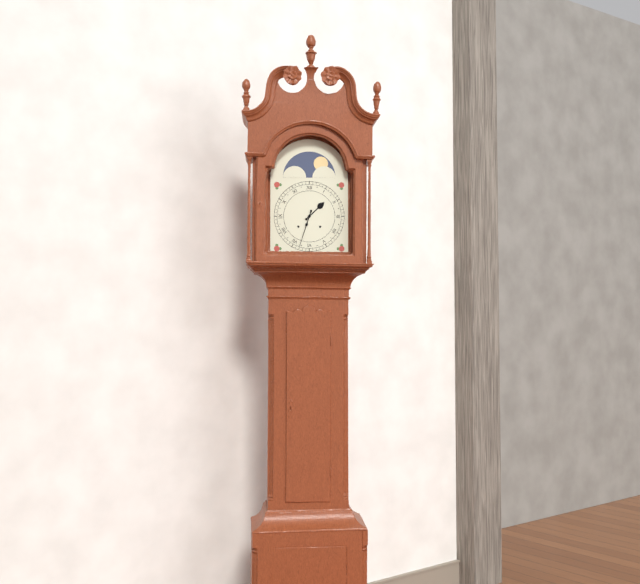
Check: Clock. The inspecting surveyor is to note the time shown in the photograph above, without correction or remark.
1:33
